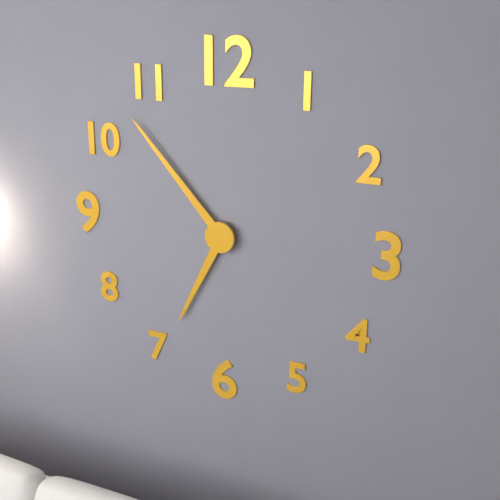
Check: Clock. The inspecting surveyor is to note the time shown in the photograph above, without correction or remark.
6:53
